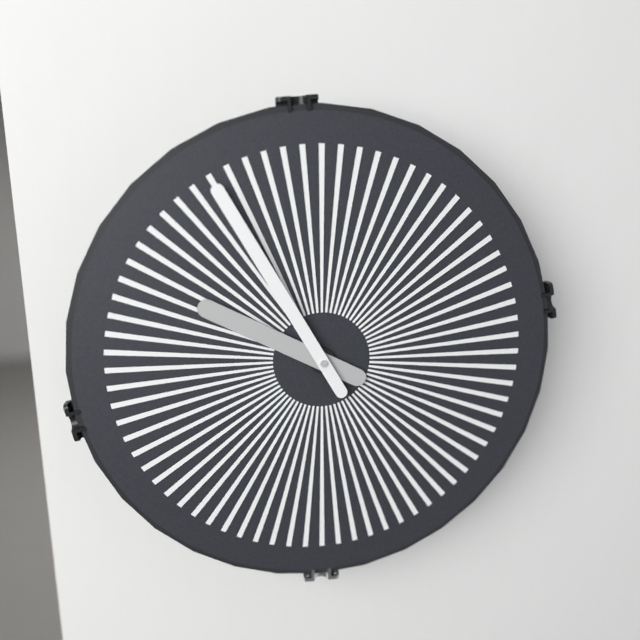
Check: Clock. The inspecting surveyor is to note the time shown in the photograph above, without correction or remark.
9:55
